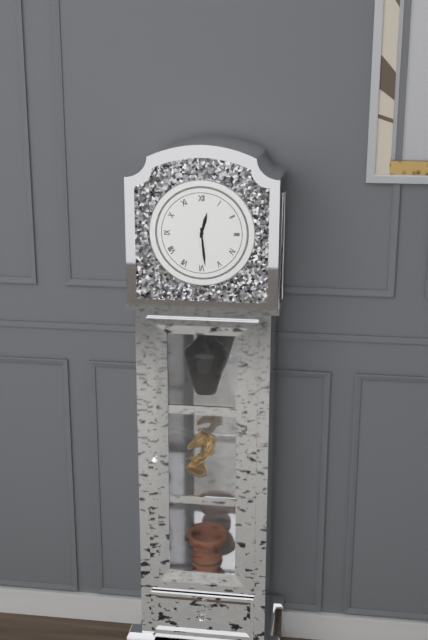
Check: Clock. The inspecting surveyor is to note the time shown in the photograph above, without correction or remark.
12:29
